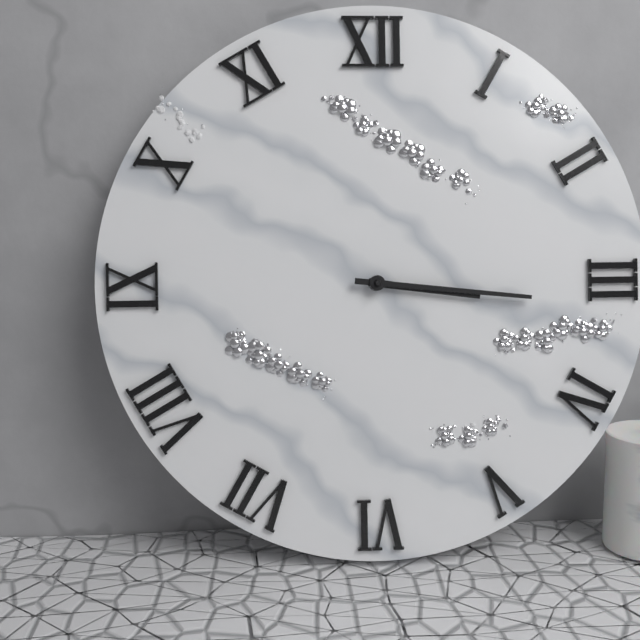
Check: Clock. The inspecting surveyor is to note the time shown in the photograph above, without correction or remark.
3:16
